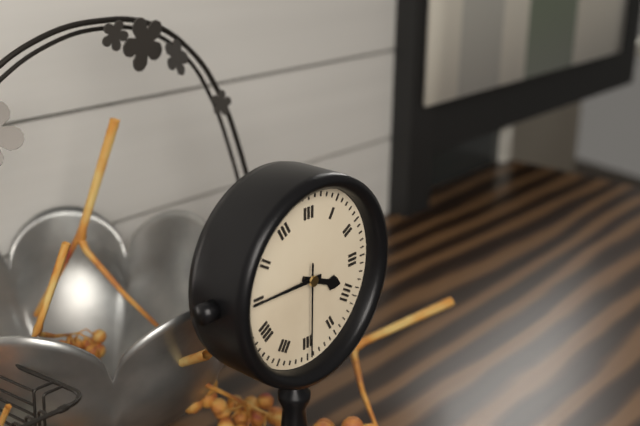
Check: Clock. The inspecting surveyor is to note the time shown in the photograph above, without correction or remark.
3:45:30
